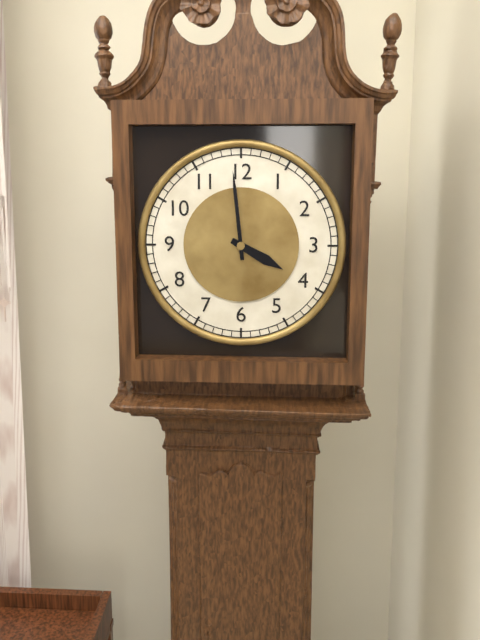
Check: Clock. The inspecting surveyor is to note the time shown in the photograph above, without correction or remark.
3:59
